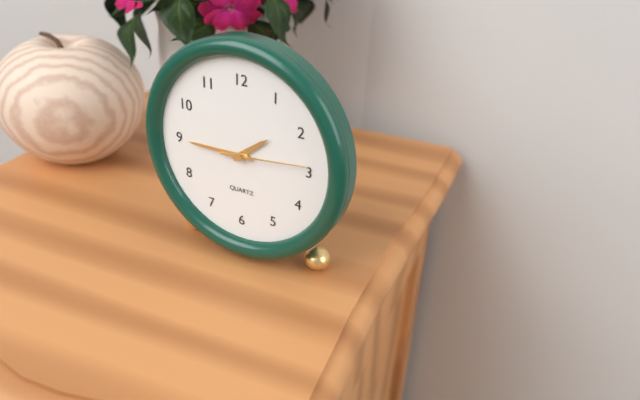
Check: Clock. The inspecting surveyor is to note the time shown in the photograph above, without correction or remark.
1:45:14
